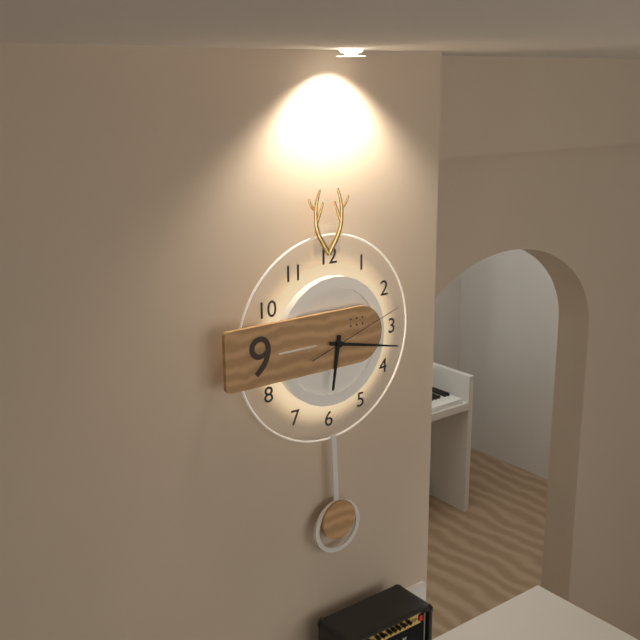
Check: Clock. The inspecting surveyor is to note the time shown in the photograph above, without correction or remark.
6:17:12
